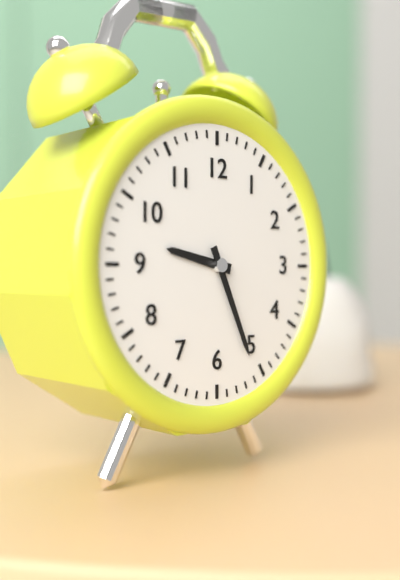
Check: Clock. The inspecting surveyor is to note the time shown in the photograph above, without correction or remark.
9:26
